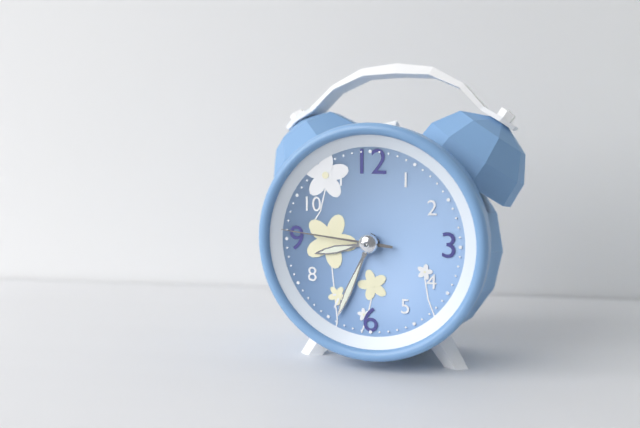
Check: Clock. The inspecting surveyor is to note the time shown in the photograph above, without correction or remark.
8:34:46
